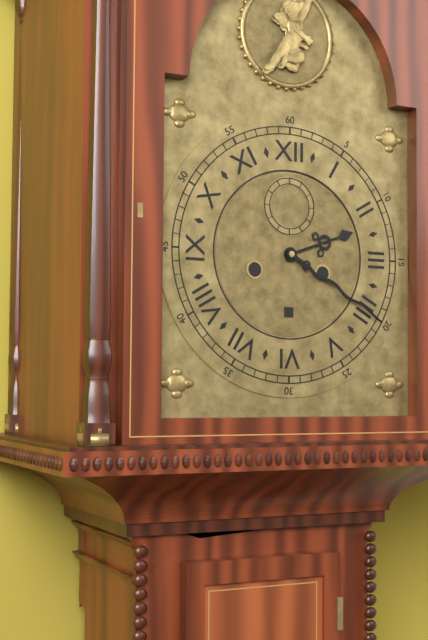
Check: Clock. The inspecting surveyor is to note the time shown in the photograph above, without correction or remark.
2:20
